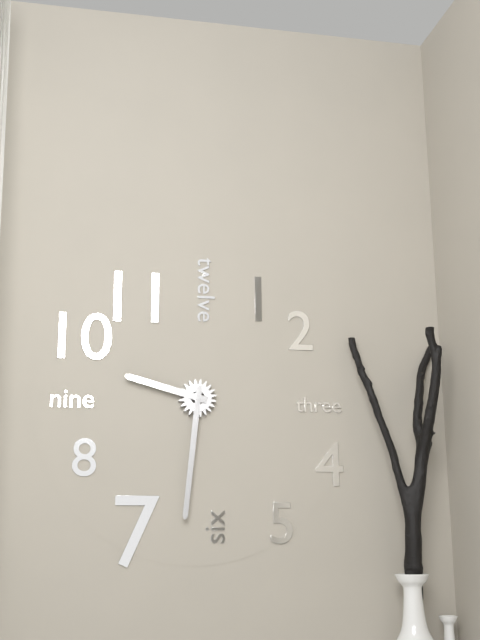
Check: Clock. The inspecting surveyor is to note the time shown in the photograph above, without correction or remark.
9:31
